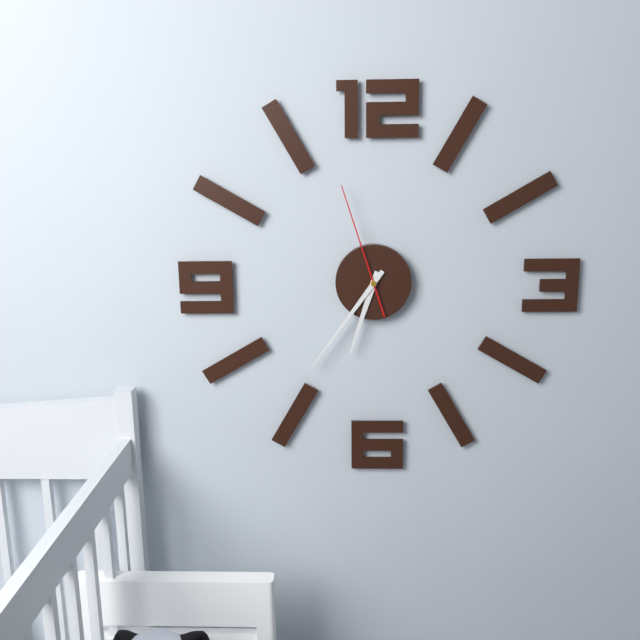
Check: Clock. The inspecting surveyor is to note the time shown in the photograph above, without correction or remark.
6:36:57
